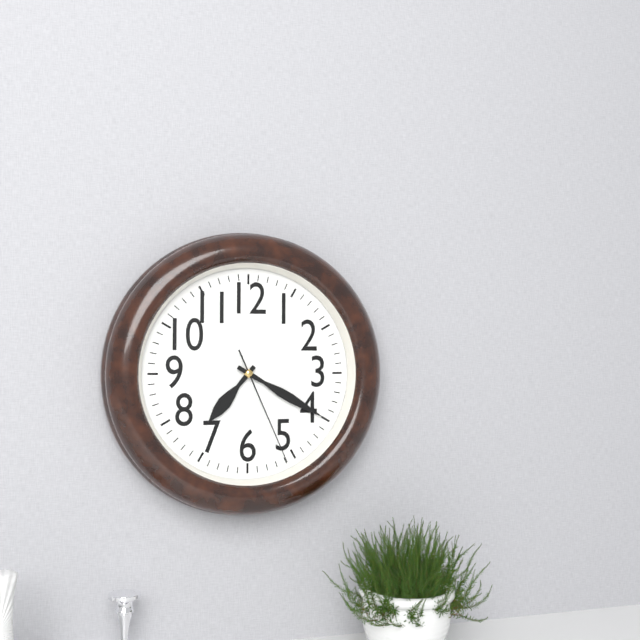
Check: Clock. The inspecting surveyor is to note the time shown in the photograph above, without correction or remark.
7:20:26
